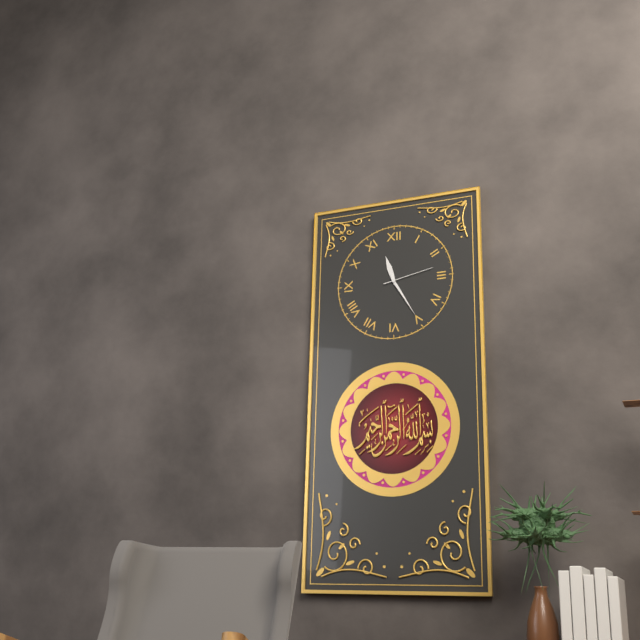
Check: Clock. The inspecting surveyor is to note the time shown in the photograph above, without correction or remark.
11:25:13
